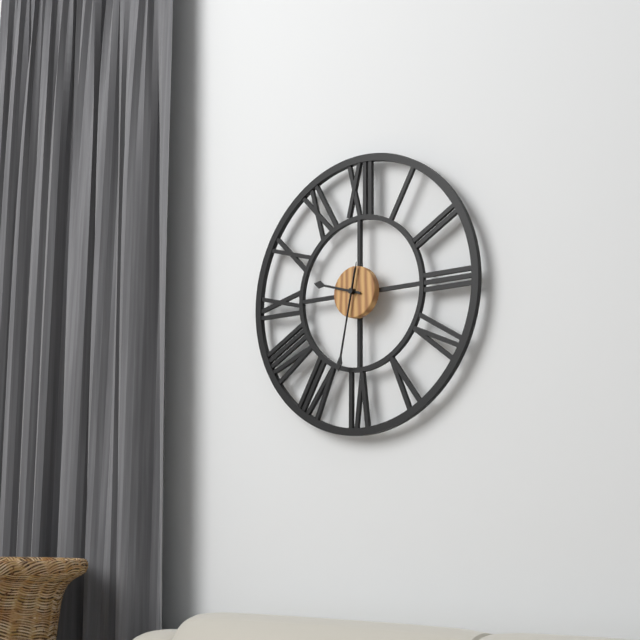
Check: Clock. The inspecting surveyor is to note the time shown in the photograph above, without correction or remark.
9:32
